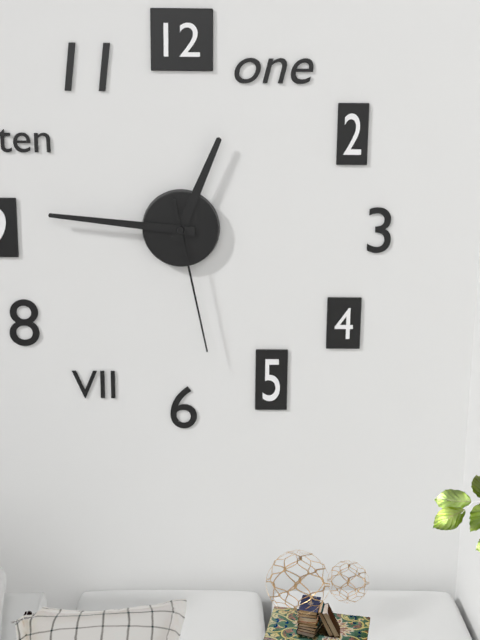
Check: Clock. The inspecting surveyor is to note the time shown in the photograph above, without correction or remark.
12:46:28
